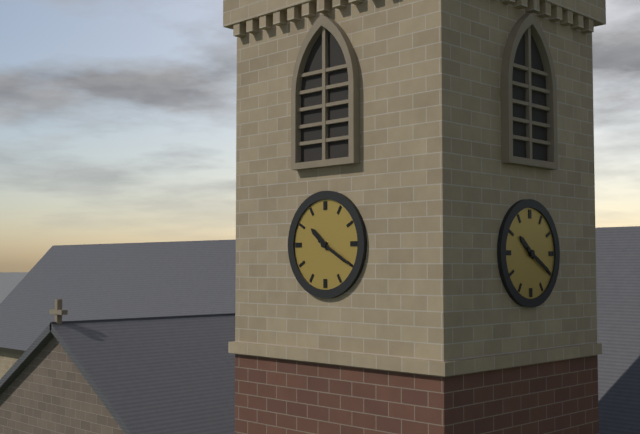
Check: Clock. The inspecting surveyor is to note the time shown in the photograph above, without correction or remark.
10:20
